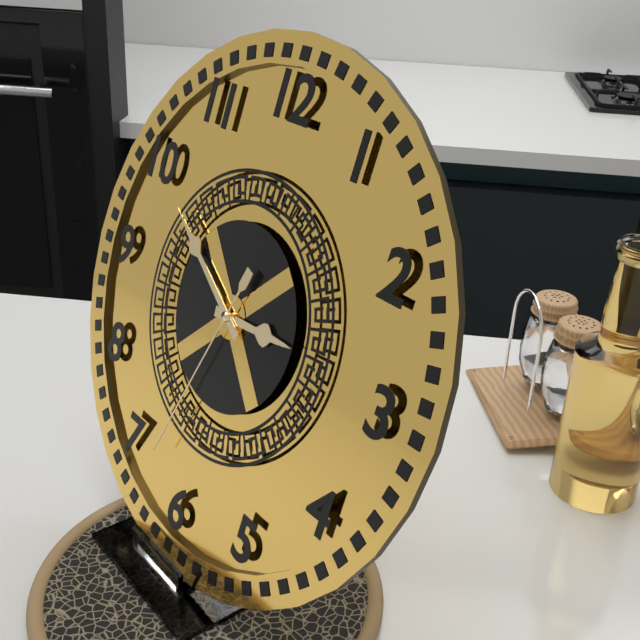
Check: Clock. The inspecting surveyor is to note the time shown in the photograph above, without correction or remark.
2:50:33
